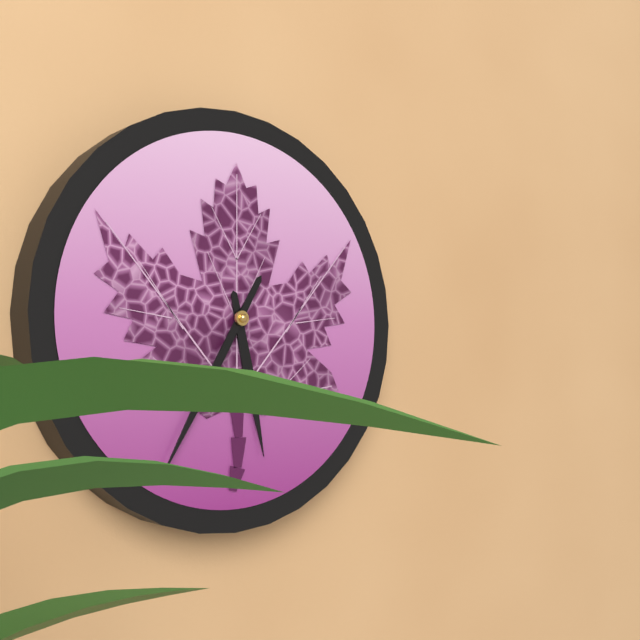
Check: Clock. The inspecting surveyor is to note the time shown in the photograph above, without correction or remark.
5:35
